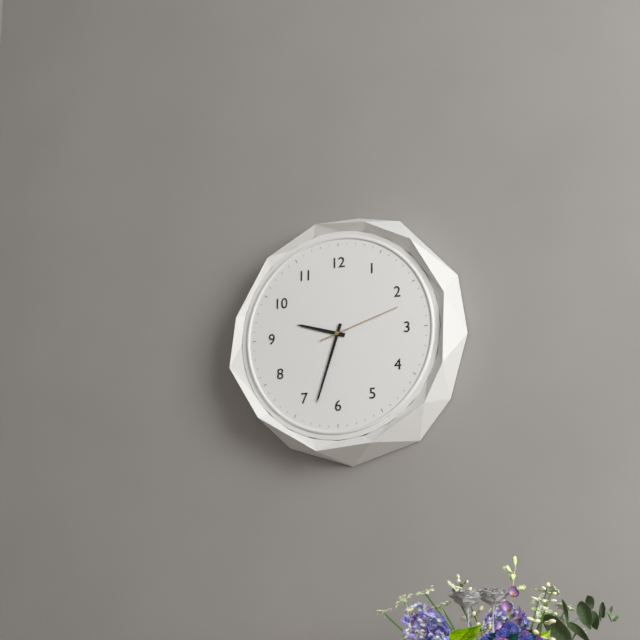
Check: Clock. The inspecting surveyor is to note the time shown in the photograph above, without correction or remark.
9:33:12
